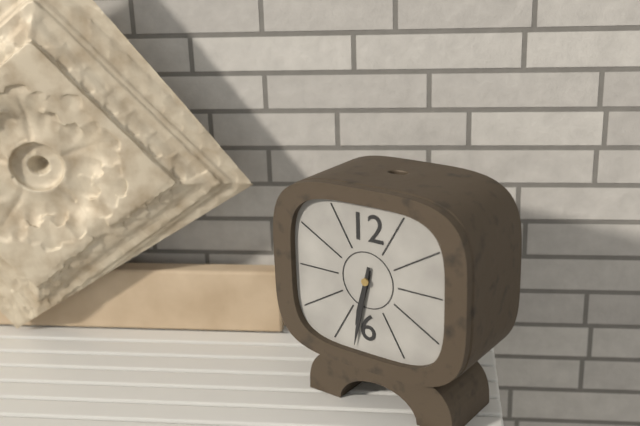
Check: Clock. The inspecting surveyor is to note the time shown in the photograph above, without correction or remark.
6:32
